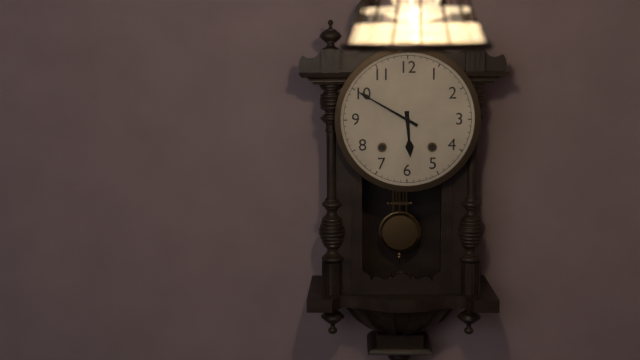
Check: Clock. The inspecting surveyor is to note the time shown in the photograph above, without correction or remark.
5:50
